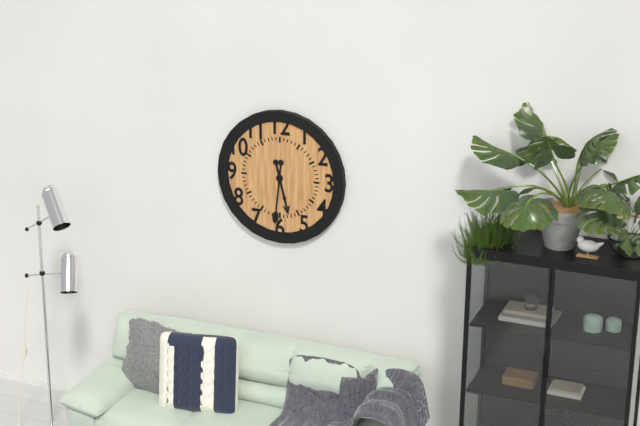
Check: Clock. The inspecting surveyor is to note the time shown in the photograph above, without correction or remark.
5:31
